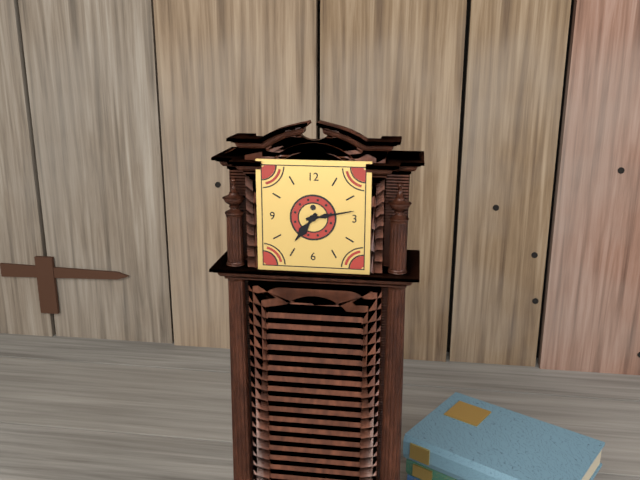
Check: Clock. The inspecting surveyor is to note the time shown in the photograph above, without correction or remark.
7:13
